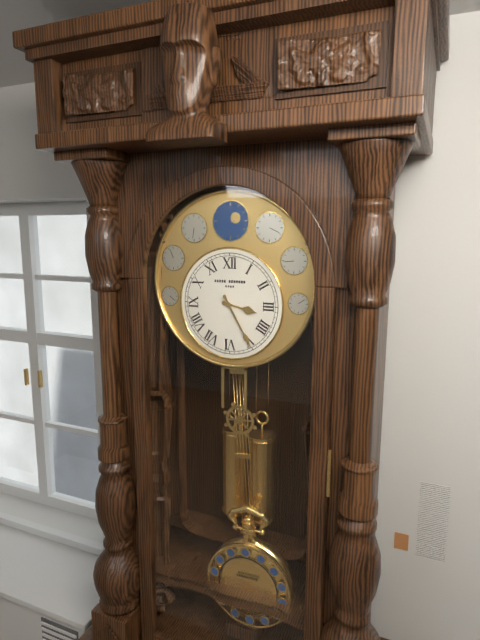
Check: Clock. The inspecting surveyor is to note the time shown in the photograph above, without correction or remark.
3:25
